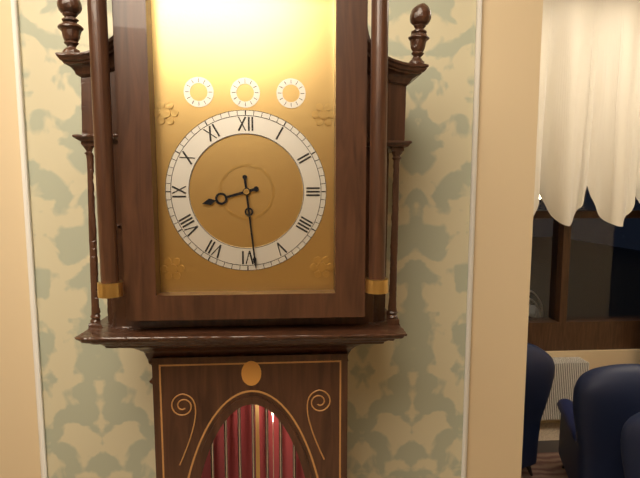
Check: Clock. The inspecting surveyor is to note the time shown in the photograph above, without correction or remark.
8:29
